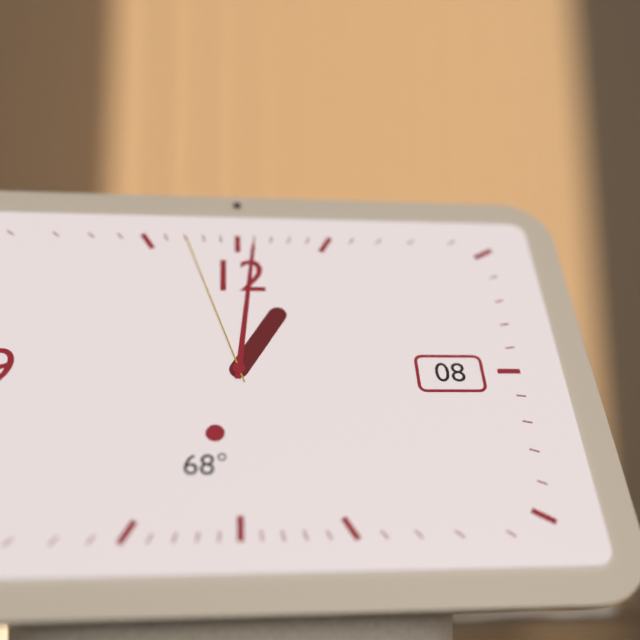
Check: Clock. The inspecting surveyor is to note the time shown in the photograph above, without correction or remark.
1:01:57
